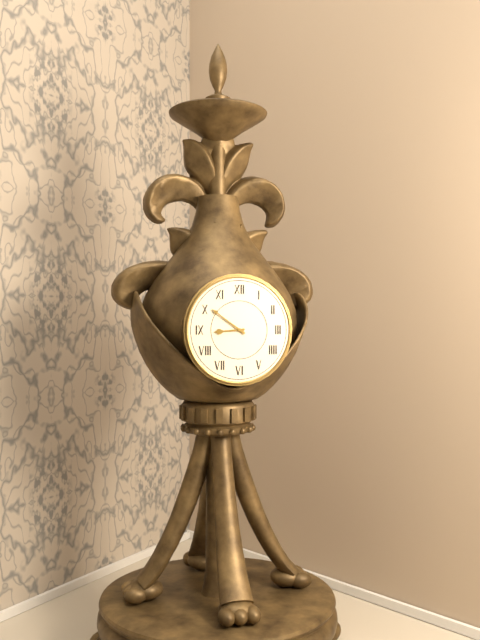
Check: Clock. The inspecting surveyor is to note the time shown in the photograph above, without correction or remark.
8:51
